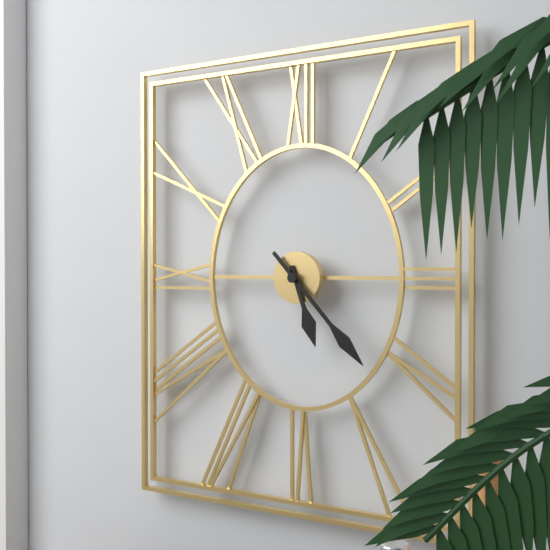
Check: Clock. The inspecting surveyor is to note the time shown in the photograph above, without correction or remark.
5:23
